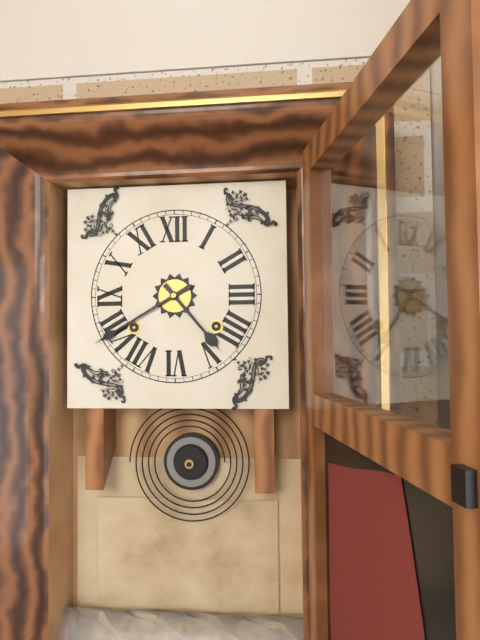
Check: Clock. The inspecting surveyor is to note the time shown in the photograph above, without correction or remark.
4:40
